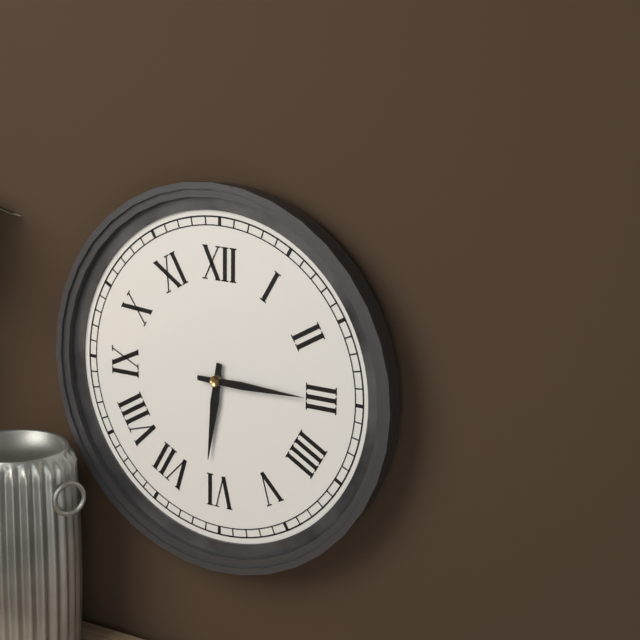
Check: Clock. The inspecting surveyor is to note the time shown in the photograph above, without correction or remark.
6:15
